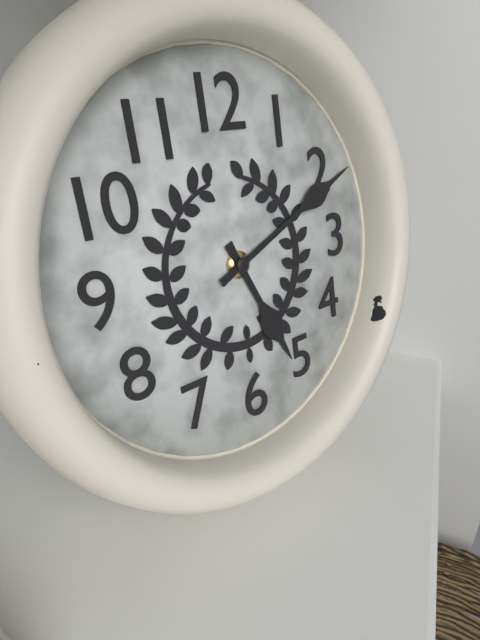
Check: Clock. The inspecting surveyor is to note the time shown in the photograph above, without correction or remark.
5:11
